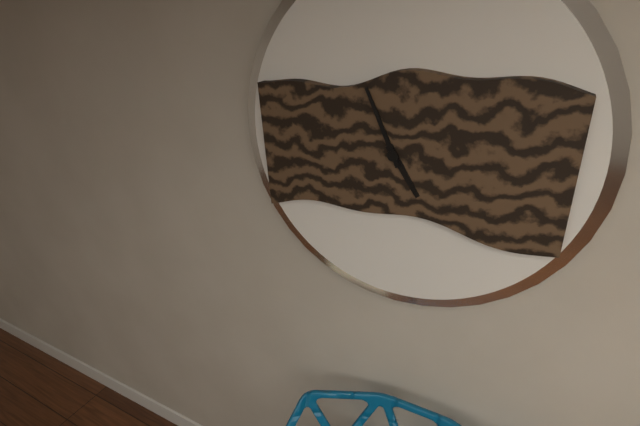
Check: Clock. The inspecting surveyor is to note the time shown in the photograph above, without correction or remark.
4:56
